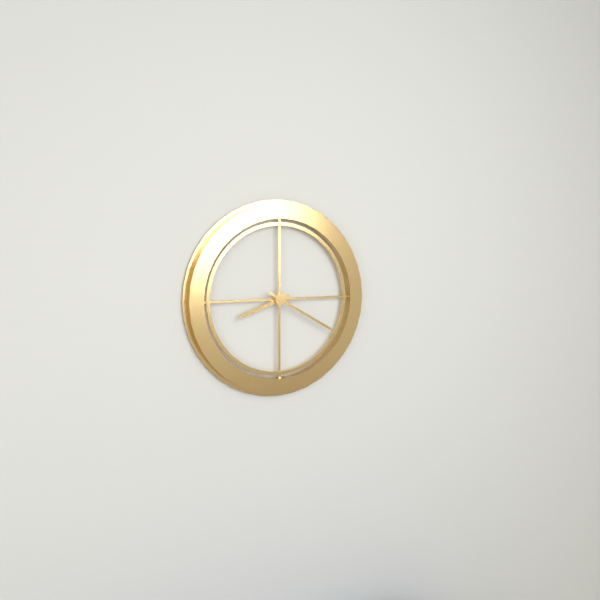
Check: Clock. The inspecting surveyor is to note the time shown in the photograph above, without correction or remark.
8:20
